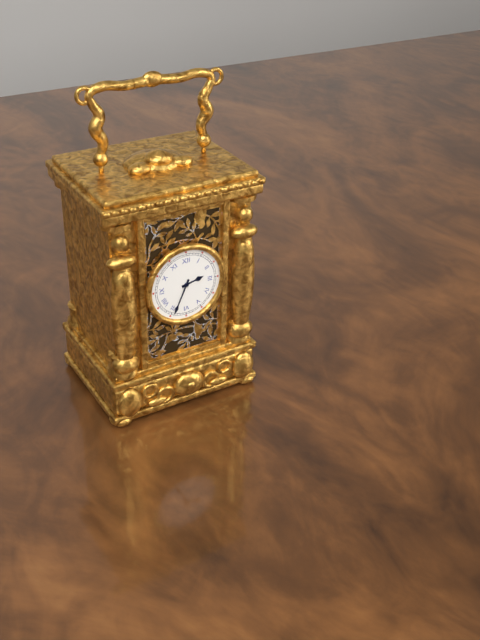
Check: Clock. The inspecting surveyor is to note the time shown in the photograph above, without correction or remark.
2:34
